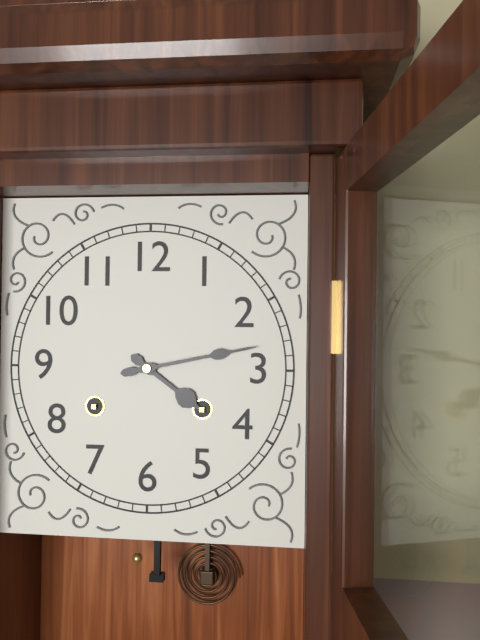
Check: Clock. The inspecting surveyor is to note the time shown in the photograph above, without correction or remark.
4:13
